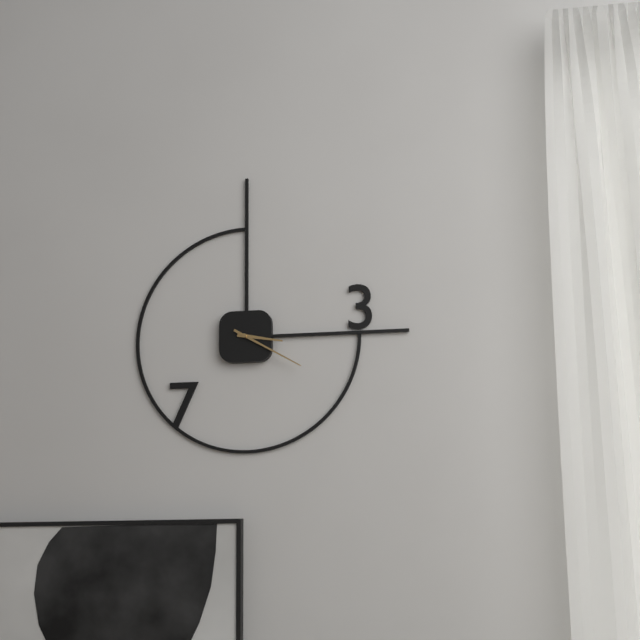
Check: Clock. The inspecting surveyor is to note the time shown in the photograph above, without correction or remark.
3:20
